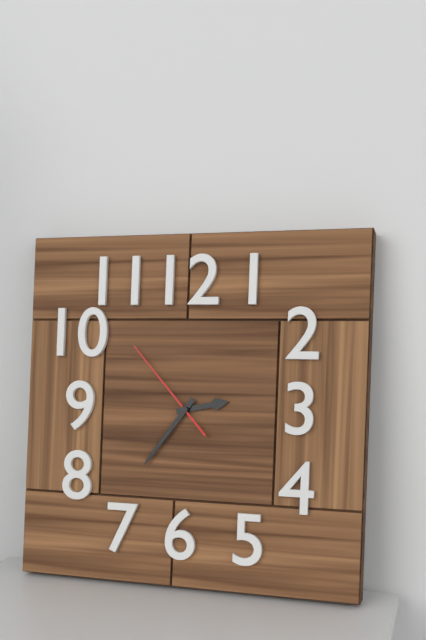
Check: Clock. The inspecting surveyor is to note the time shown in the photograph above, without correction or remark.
2:36:53
